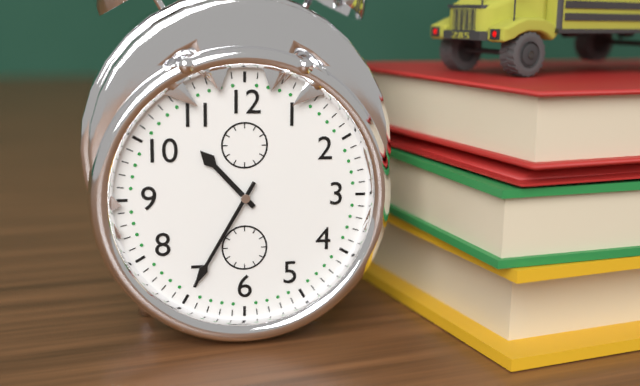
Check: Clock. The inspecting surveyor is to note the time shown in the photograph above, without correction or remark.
10:35
